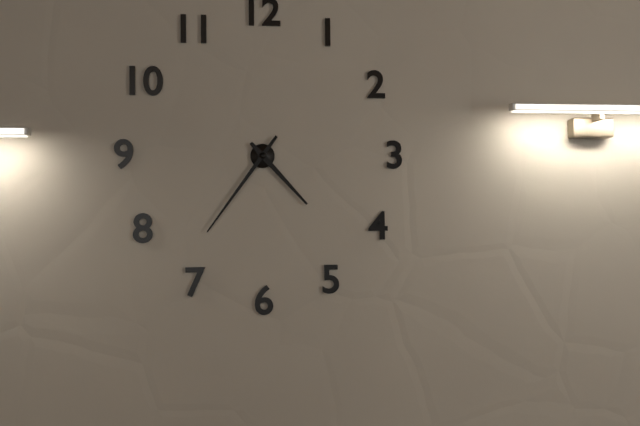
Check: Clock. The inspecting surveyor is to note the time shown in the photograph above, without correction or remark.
4:36
